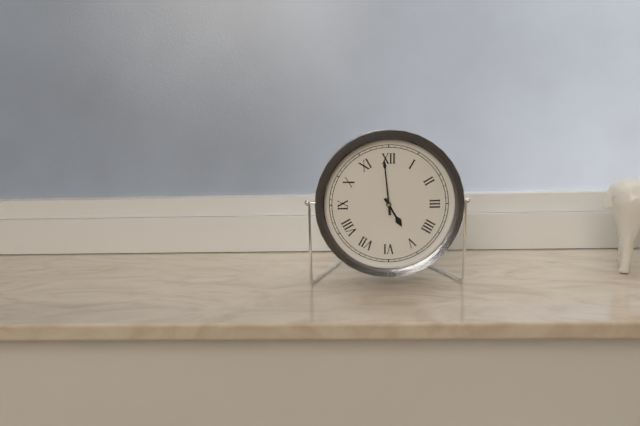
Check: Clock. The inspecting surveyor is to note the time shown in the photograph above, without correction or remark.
4:59
